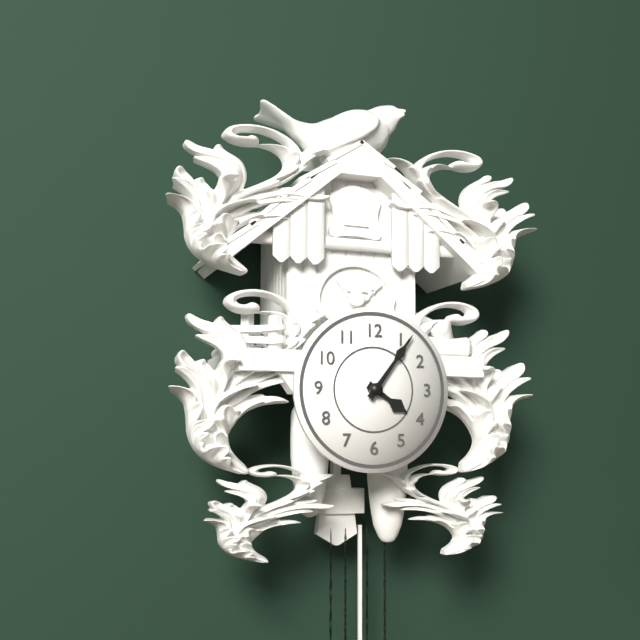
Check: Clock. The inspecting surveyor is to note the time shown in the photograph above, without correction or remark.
4:06
